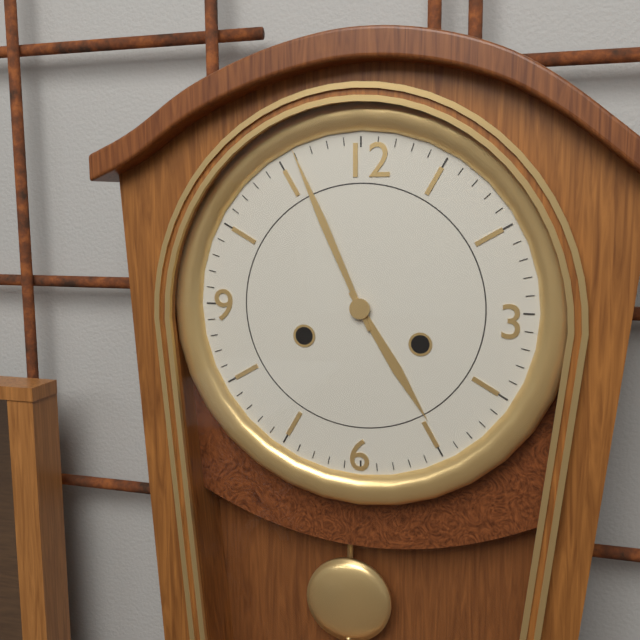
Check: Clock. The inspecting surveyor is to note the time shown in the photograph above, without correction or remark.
4:56
